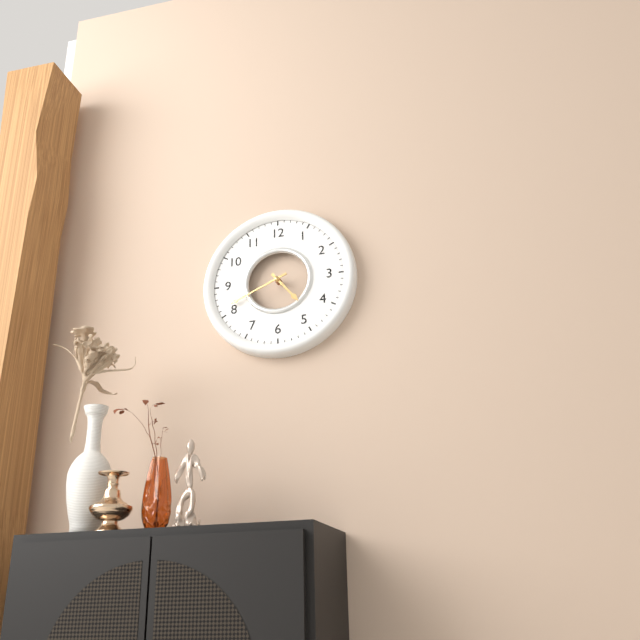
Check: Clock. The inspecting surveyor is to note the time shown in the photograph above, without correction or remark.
4:41
